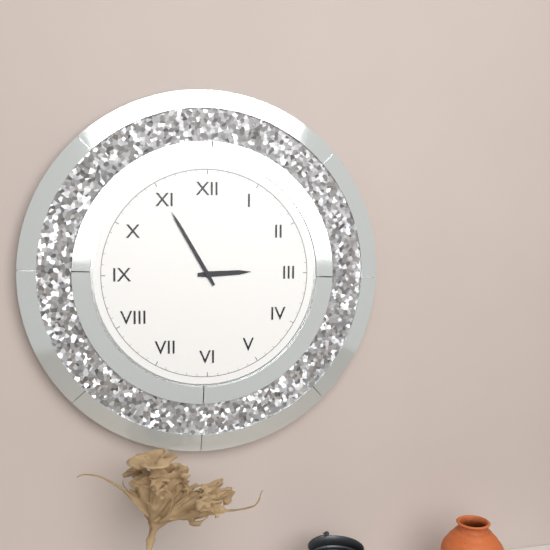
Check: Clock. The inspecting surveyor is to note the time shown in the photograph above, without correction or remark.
2:55
